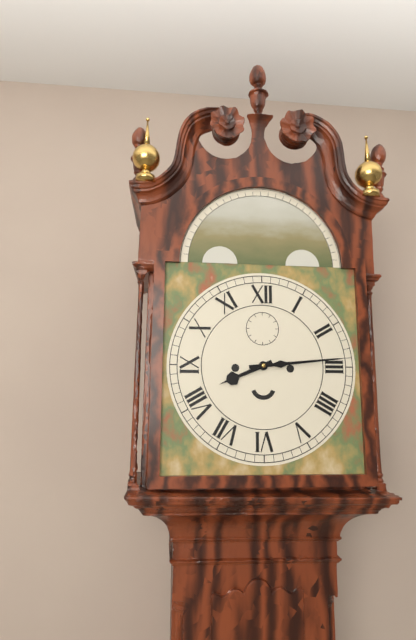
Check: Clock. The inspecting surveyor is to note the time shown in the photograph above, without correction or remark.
8:14
